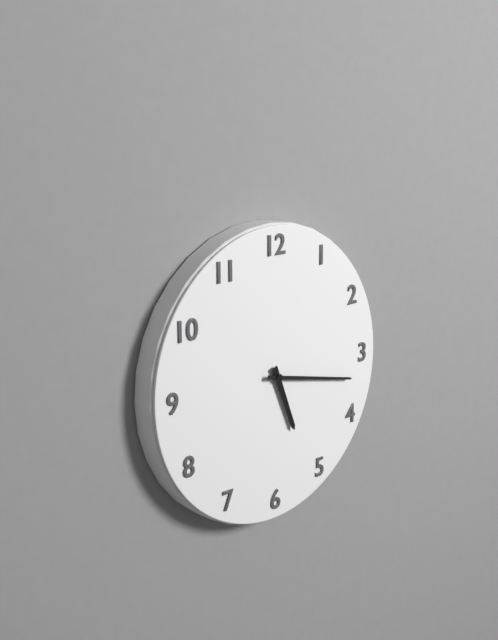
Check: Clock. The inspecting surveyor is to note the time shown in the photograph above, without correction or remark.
5:17
